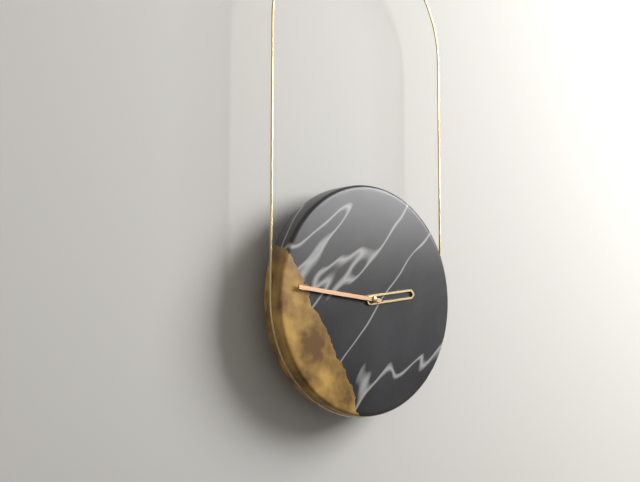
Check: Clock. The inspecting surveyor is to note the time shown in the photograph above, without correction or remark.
2:46
